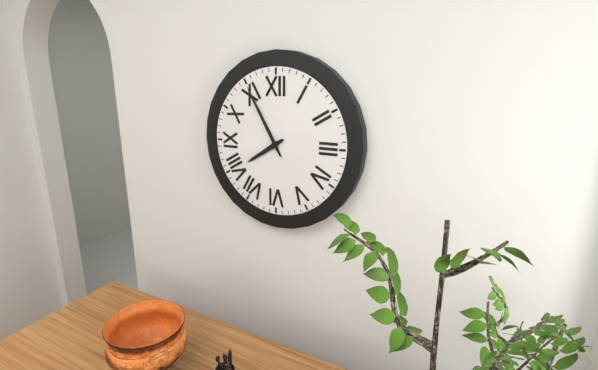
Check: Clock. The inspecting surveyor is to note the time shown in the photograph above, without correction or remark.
7:55
